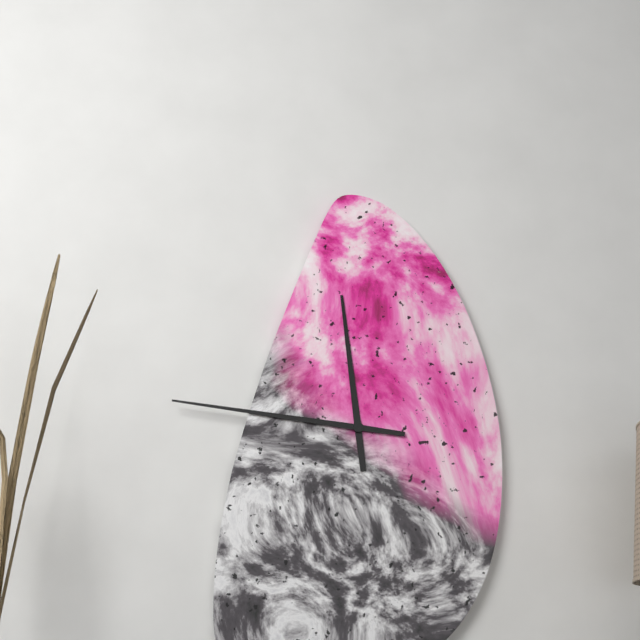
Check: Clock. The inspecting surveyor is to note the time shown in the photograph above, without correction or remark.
11:46
